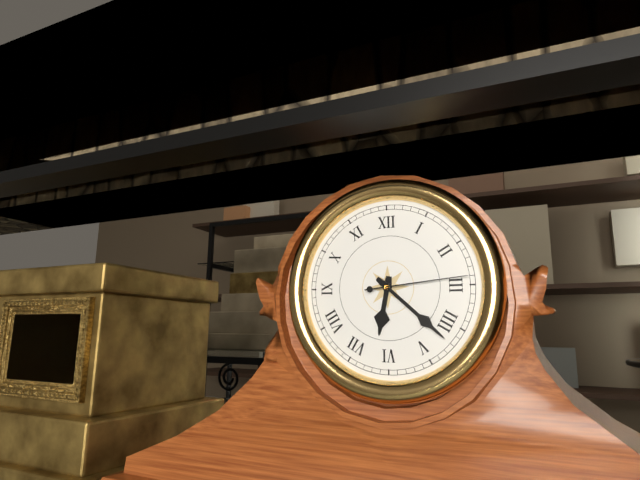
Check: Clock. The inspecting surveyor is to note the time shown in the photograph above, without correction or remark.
6:22:14
